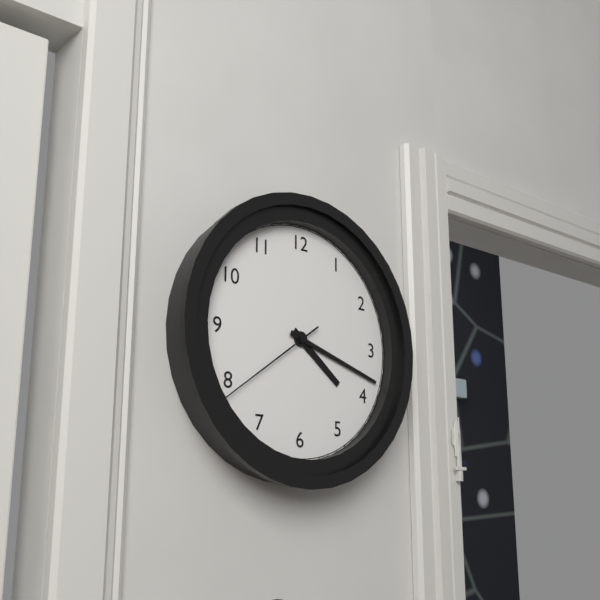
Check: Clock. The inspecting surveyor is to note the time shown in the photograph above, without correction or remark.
4:18:39
